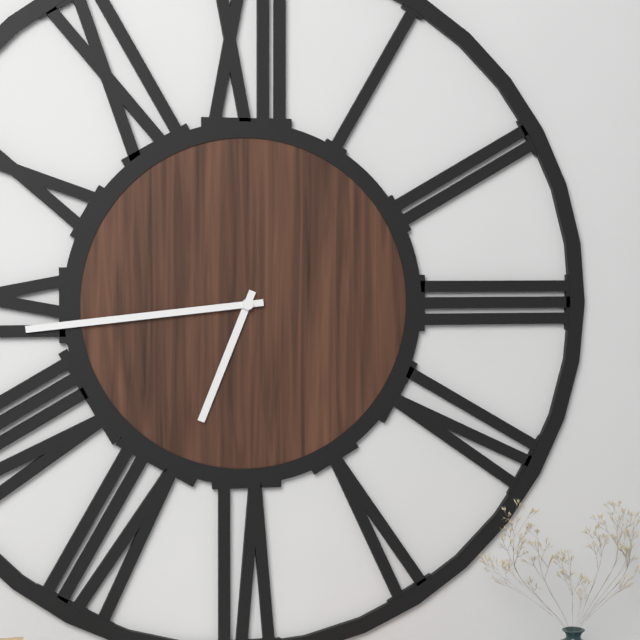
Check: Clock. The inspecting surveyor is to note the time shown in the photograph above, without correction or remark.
6:44
